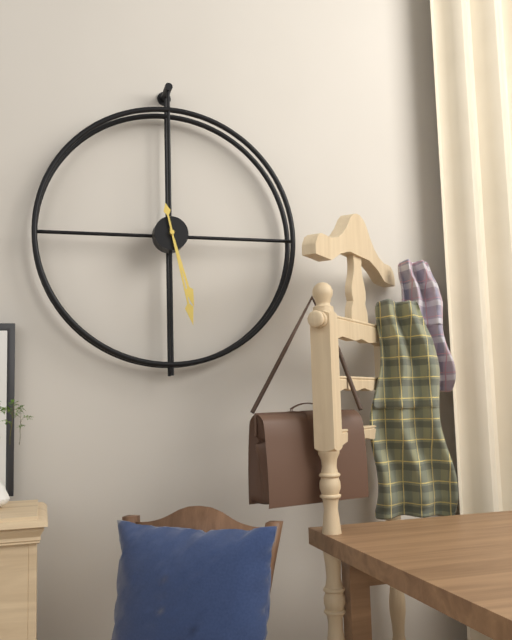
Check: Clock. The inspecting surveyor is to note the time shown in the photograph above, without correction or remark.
5:28
